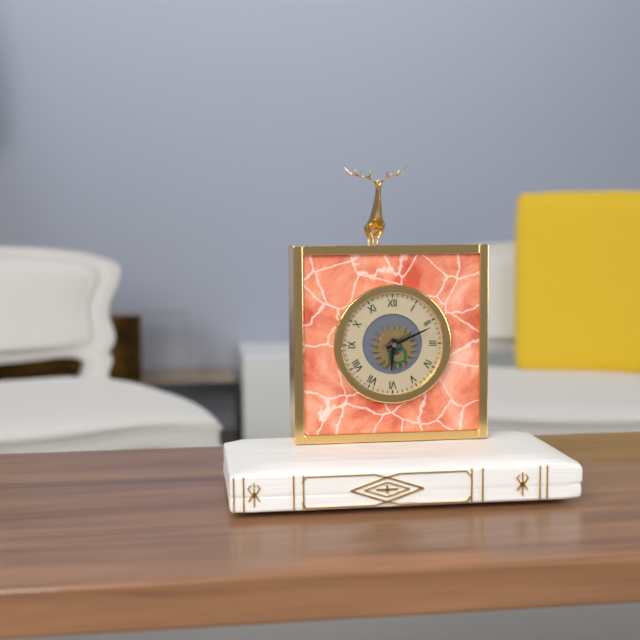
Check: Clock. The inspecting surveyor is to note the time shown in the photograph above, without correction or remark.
6:11
